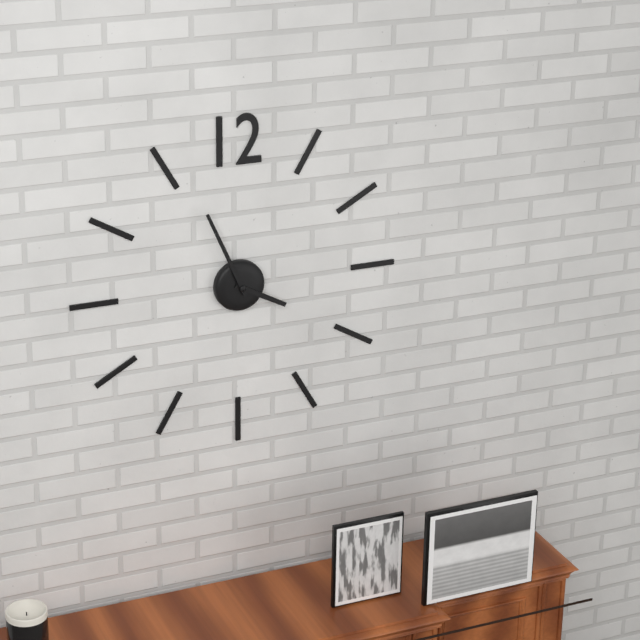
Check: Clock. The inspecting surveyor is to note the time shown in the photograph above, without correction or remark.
3:56
